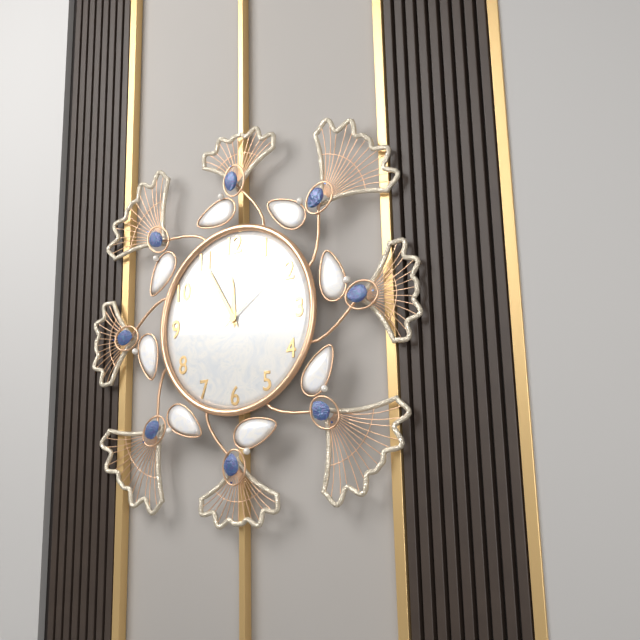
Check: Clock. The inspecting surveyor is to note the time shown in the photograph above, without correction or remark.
11:55:09
